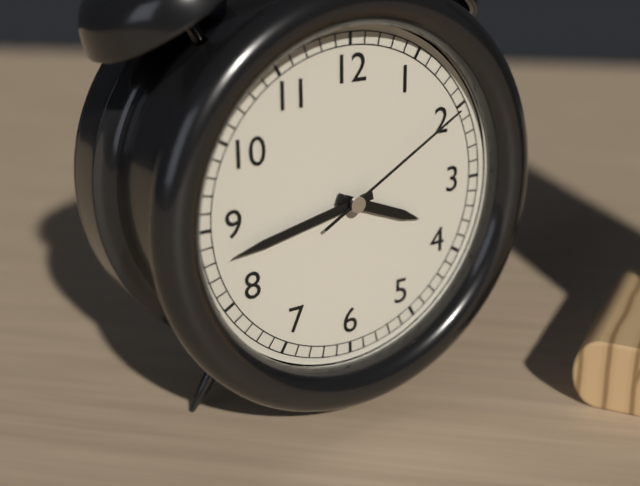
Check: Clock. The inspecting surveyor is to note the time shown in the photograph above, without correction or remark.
3:43:10
